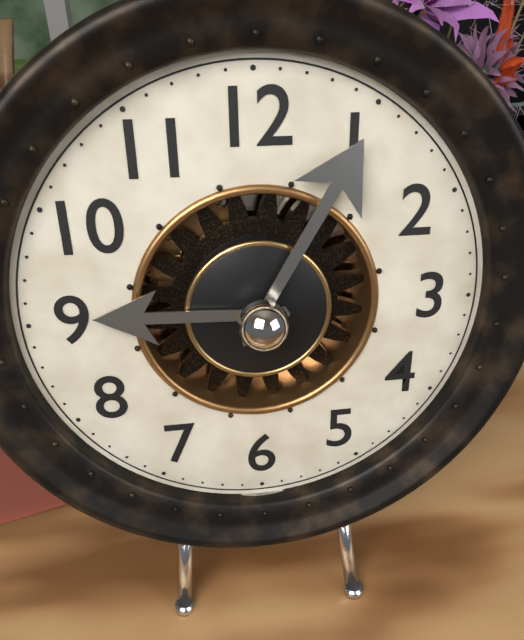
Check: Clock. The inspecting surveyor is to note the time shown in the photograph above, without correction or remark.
9:05
